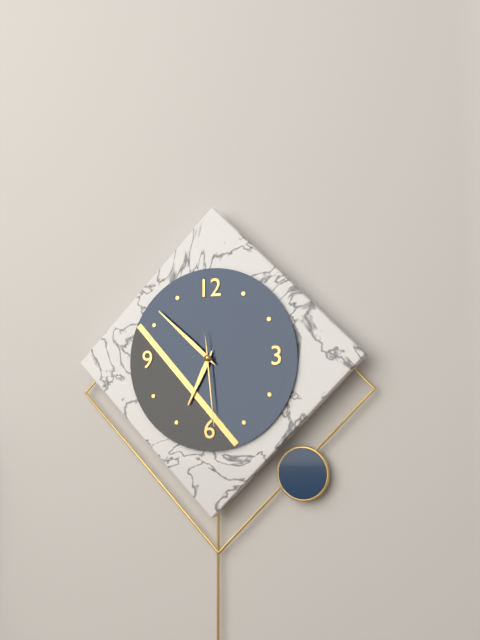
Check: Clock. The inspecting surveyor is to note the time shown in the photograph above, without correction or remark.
6:52:29
